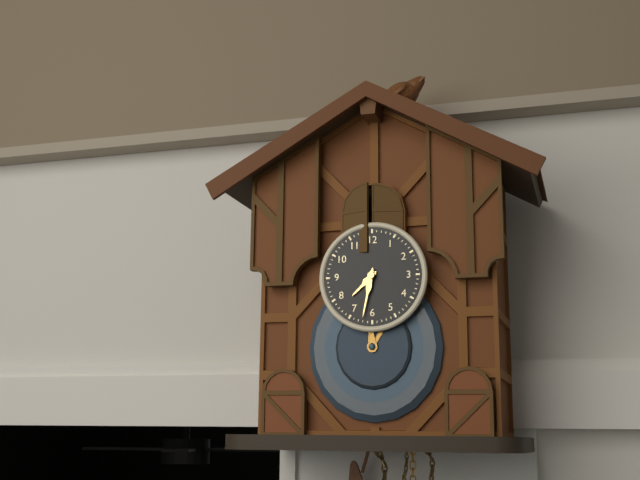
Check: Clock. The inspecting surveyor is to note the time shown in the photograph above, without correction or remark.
7:32
